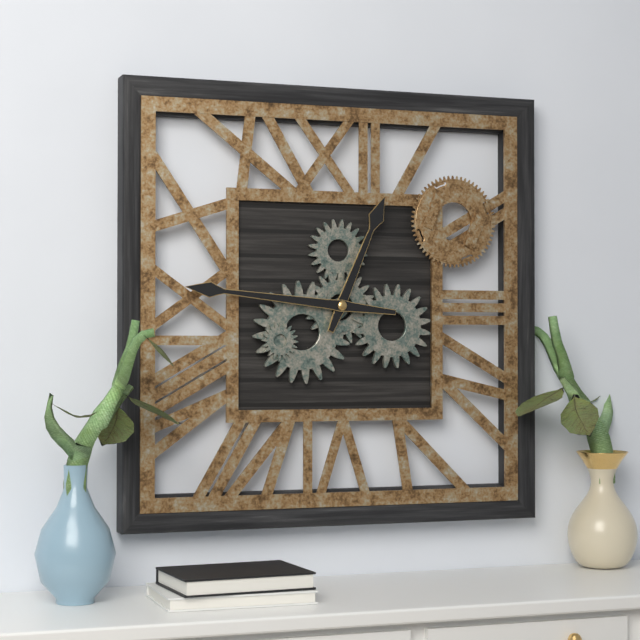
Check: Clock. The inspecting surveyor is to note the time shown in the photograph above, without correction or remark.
12:46
